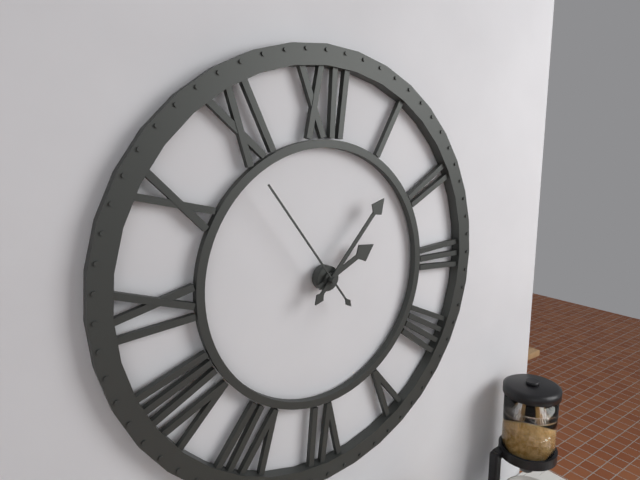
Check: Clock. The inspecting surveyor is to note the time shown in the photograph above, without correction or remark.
2:07:54
